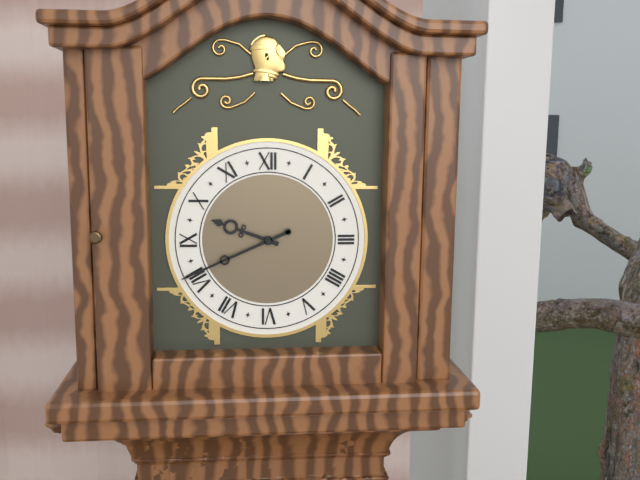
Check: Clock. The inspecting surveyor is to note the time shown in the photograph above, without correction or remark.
9:41
